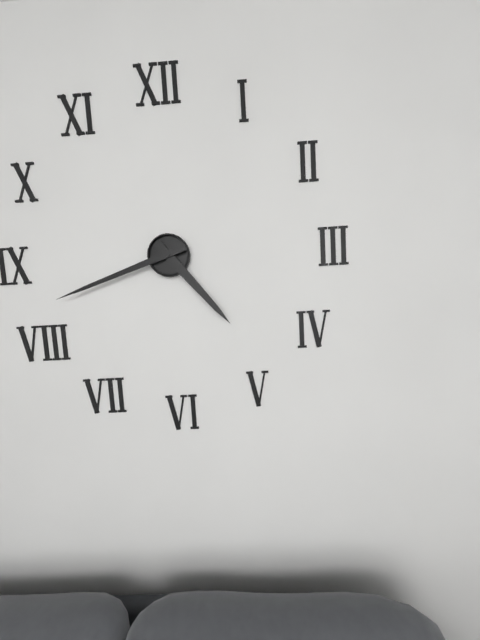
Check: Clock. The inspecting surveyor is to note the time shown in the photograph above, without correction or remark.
4:42
